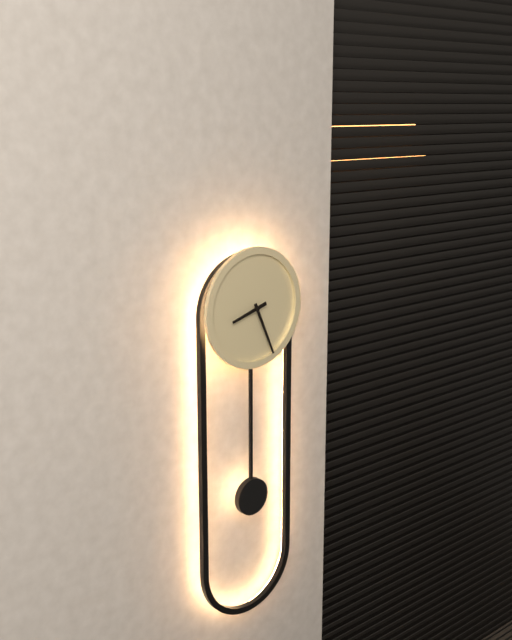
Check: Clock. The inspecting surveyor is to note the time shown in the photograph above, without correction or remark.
8:26
